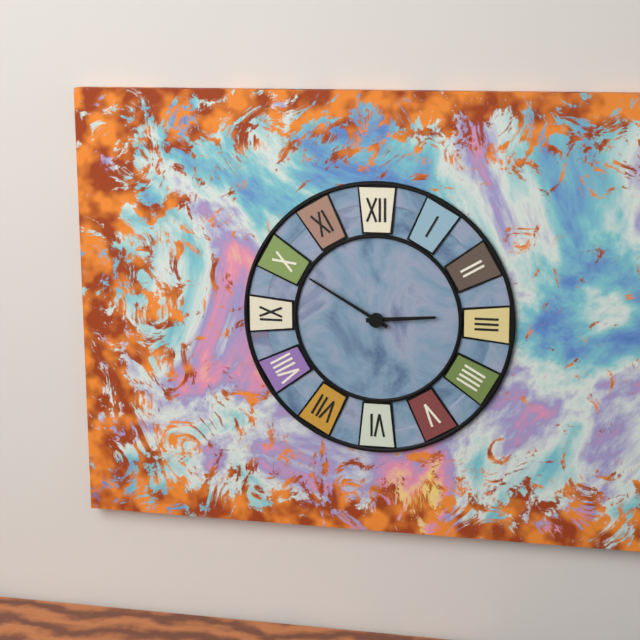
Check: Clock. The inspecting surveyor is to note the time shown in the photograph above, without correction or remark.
2:50
